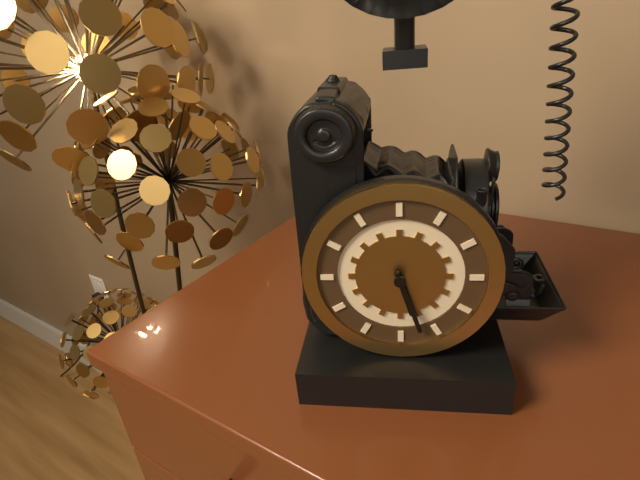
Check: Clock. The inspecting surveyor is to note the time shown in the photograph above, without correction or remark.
5:27
